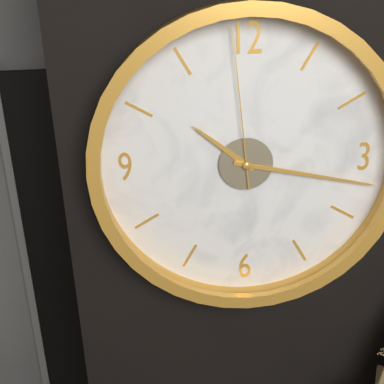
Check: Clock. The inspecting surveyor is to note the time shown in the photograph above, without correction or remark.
10:17:59
